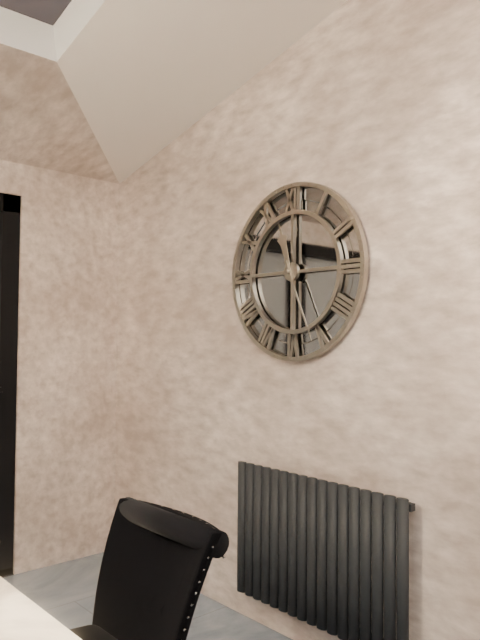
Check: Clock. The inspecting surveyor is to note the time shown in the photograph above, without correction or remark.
11:26
